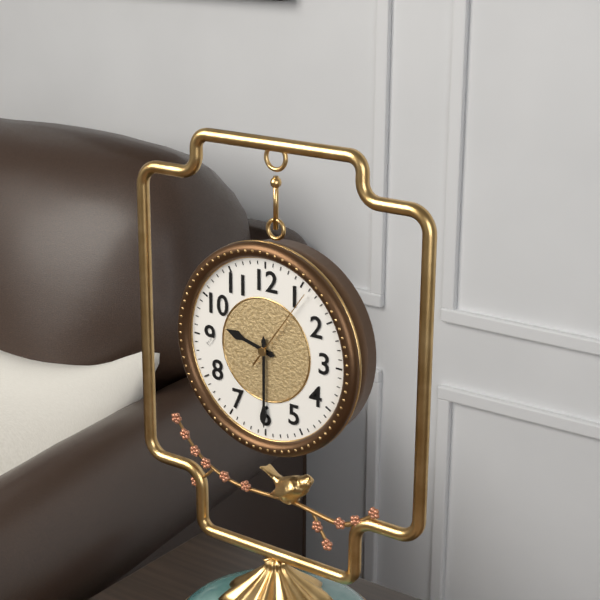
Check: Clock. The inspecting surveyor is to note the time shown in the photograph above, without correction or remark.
9:30:06
